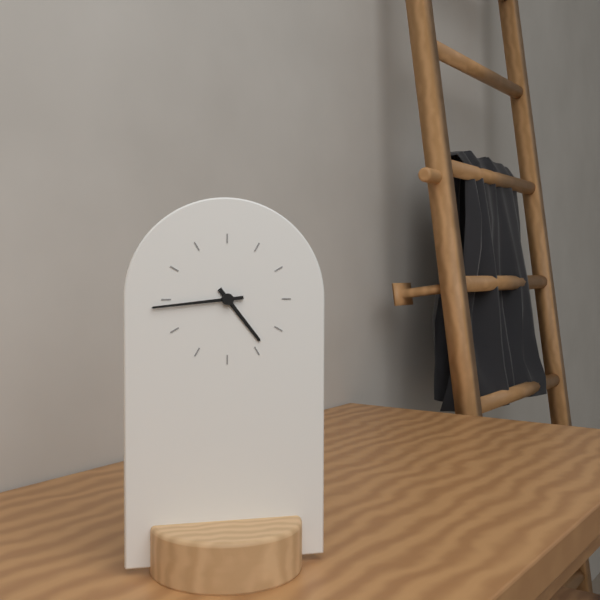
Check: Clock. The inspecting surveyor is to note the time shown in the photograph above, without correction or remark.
4:44
